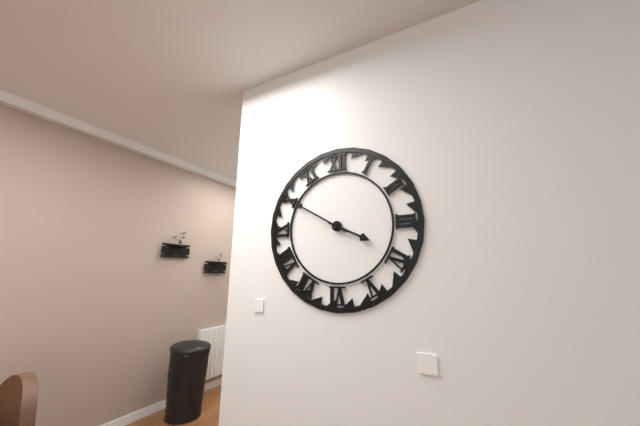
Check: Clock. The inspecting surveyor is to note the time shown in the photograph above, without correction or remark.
3:50
